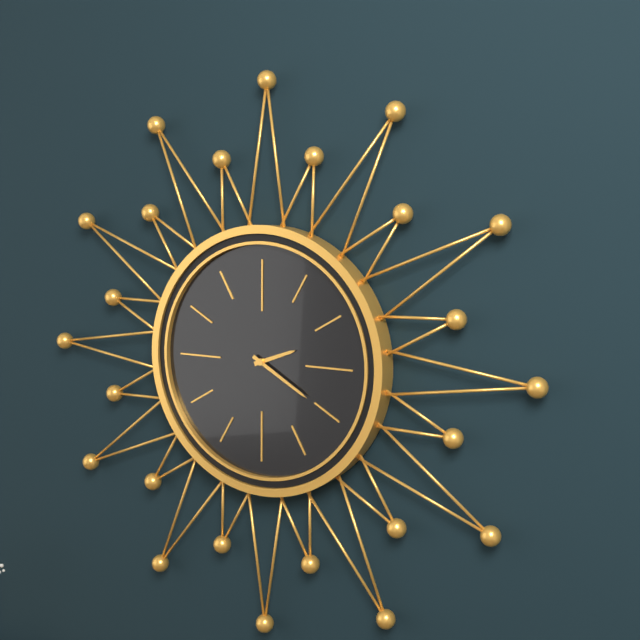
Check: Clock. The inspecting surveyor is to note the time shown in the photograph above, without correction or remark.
2:20
